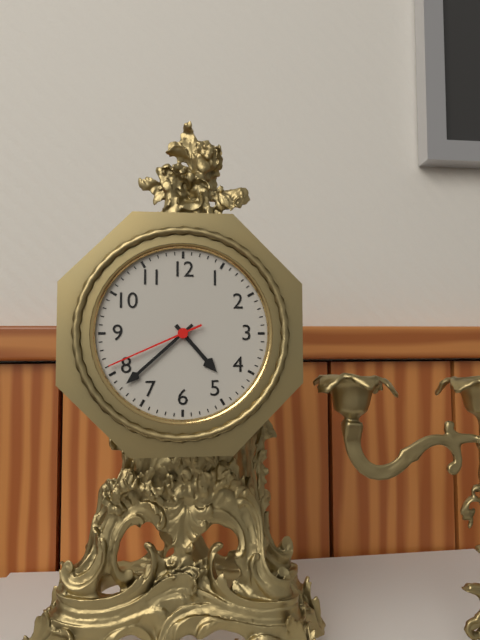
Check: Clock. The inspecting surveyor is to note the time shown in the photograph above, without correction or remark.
4:38:41
